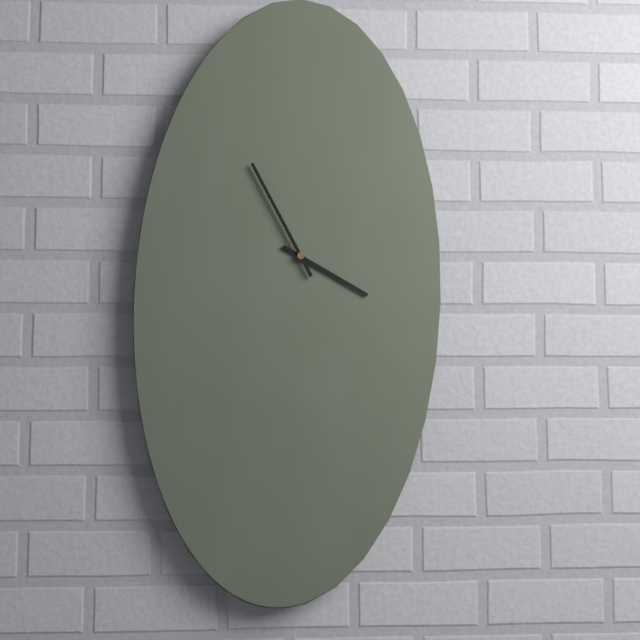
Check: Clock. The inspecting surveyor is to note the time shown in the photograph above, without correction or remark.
3:55
